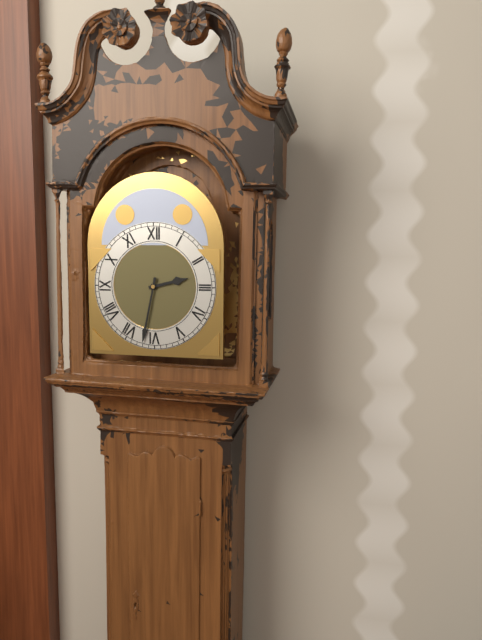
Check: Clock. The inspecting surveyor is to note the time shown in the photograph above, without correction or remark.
2:32
